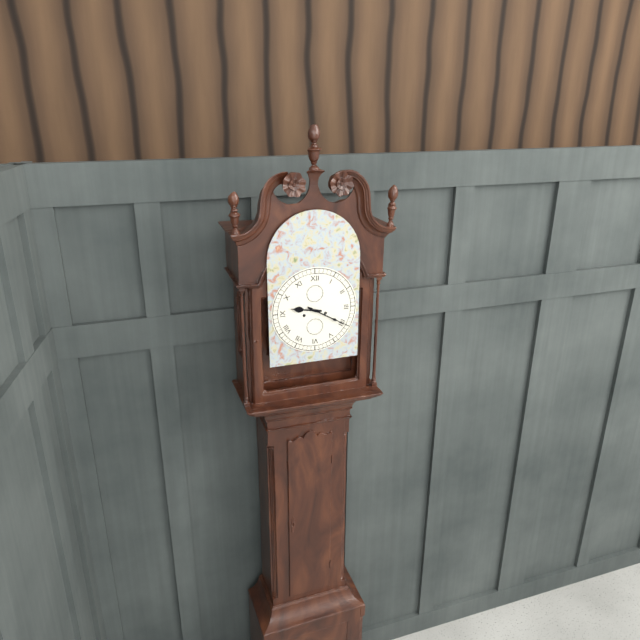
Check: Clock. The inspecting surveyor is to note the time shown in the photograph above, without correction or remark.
9:20
